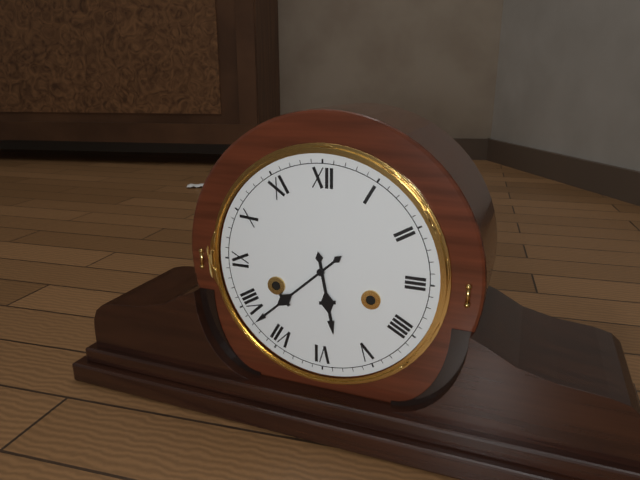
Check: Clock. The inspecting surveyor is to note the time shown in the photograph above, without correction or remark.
5:38
